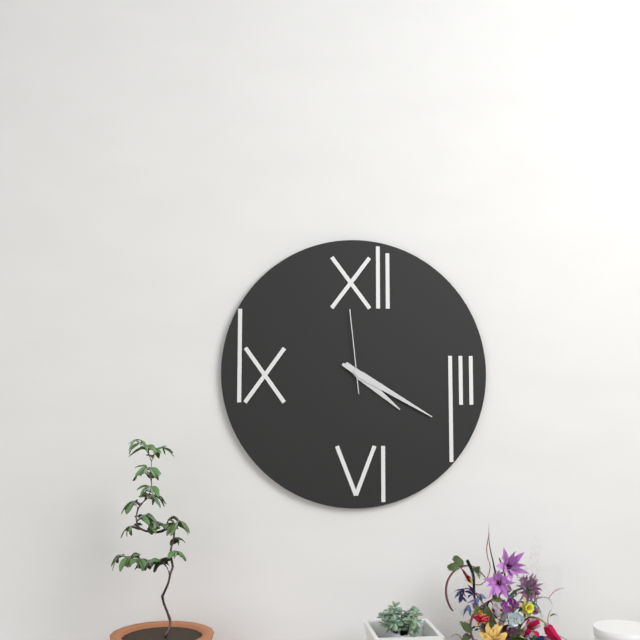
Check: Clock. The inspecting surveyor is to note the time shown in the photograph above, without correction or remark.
4:20:59
